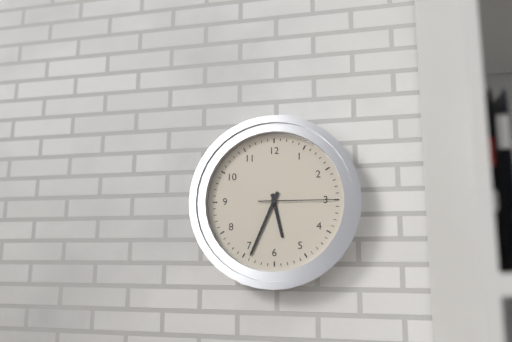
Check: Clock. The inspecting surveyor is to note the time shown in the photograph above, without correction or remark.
5:34:15
